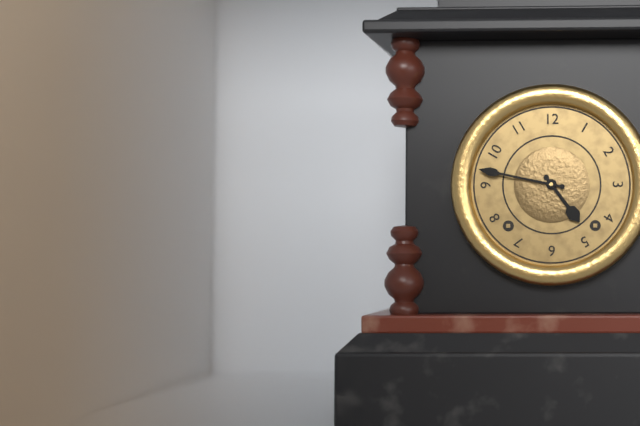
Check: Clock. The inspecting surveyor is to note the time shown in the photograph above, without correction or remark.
4:47
